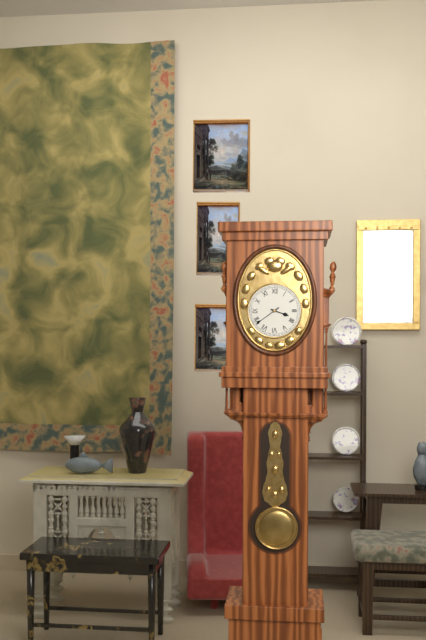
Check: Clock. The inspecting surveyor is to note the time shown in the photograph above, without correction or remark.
3:39
